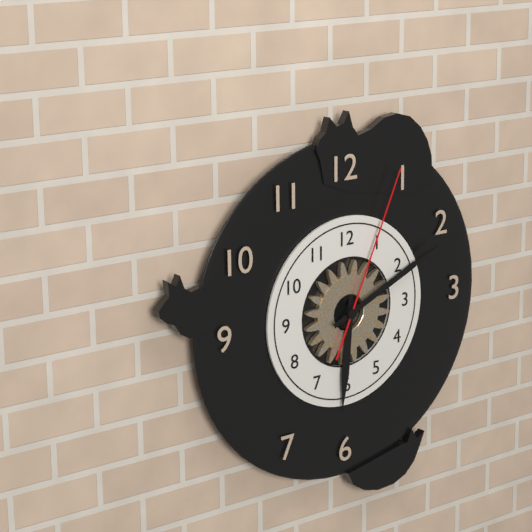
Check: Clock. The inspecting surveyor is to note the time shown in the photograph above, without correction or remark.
6:11:04
